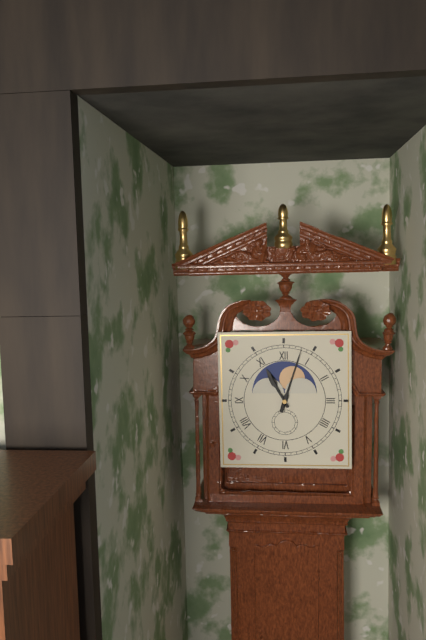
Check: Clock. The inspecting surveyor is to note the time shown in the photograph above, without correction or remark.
11:03
